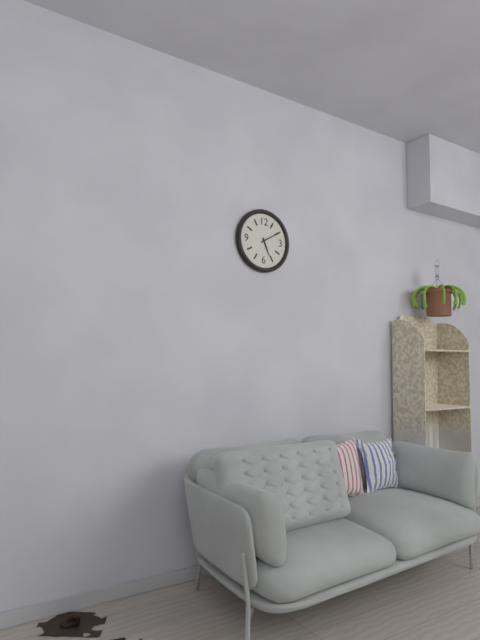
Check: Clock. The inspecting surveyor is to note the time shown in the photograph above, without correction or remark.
5:10
